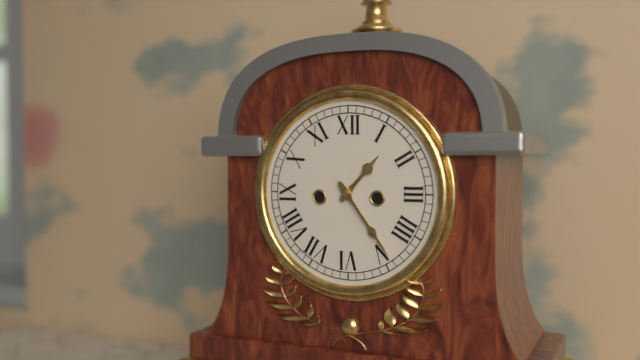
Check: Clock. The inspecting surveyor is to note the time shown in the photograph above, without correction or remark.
1:24
